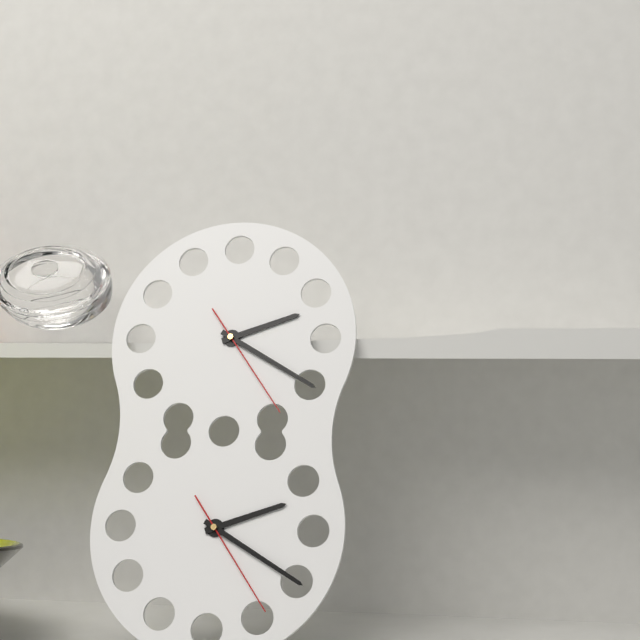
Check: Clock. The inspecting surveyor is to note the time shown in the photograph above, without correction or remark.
2:20:24
